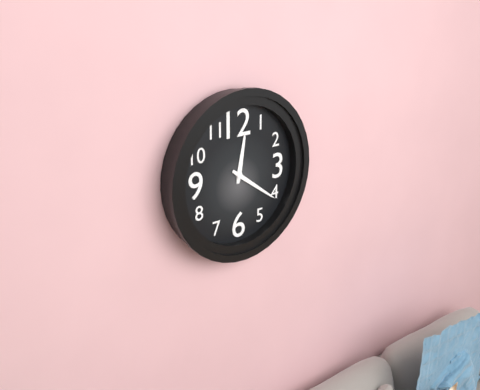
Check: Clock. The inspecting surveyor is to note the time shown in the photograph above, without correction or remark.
12:21
